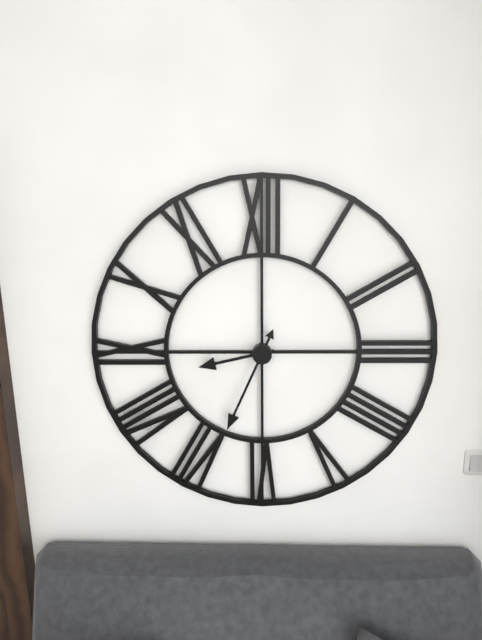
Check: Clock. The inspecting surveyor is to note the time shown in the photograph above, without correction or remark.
8:34
